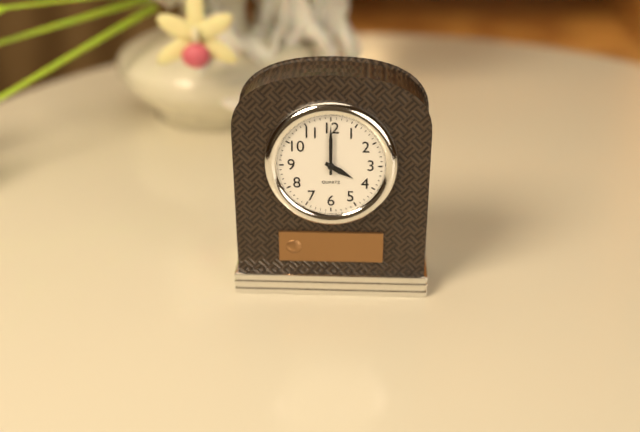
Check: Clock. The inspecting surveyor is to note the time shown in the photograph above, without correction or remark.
4:00
